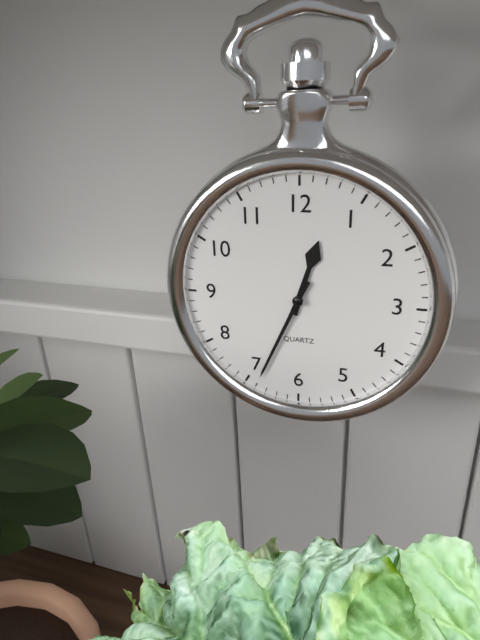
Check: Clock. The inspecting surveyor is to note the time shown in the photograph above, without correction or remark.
12:34
